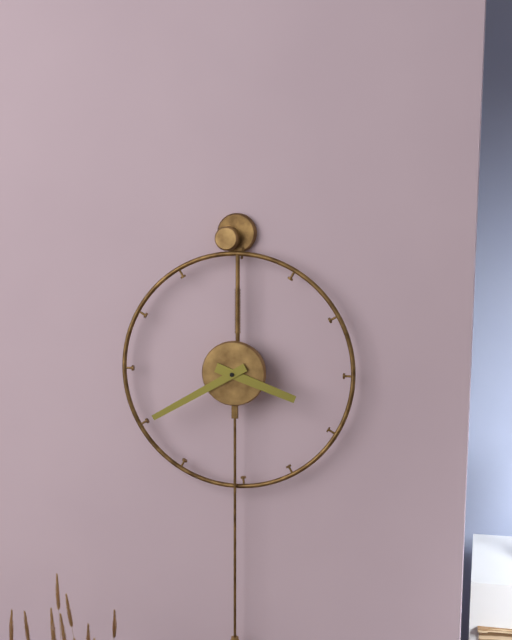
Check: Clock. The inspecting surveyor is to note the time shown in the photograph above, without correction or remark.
3:40
